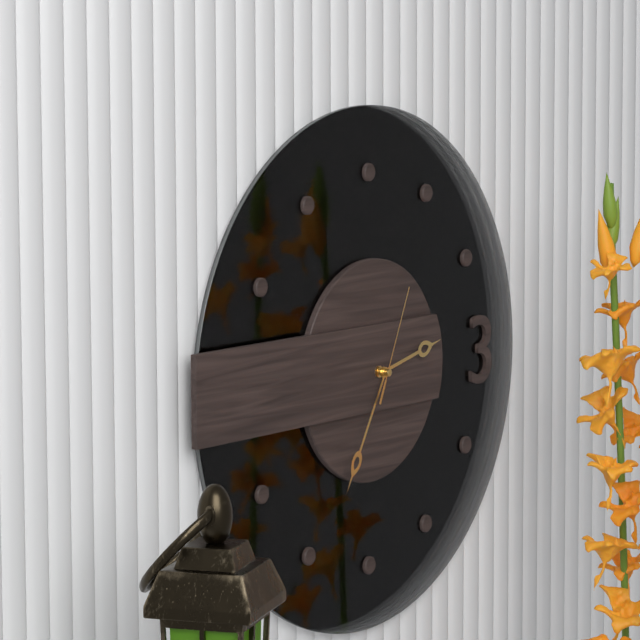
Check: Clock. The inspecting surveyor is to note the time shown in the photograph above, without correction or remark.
2:35:04
